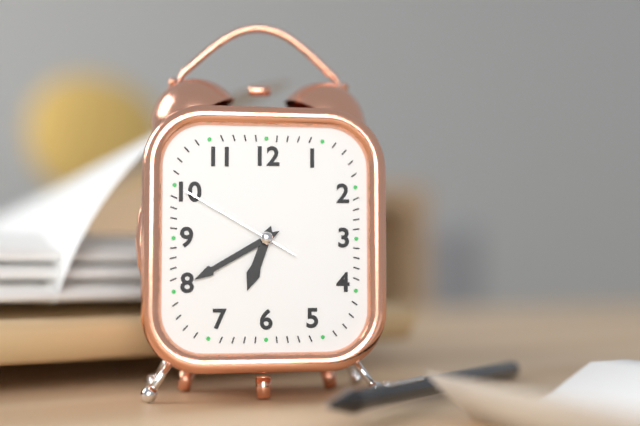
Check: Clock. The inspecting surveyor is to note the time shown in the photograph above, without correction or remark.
6:40:50
